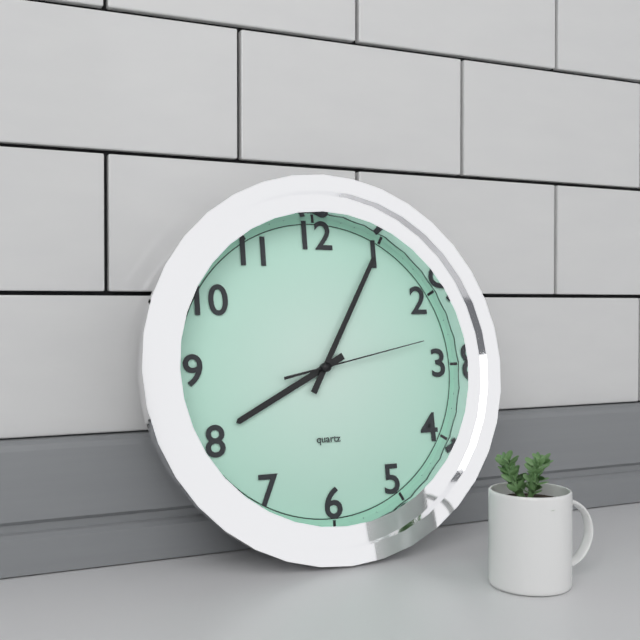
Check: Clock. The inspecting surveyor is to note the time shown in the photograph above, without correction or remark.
8:05:13
